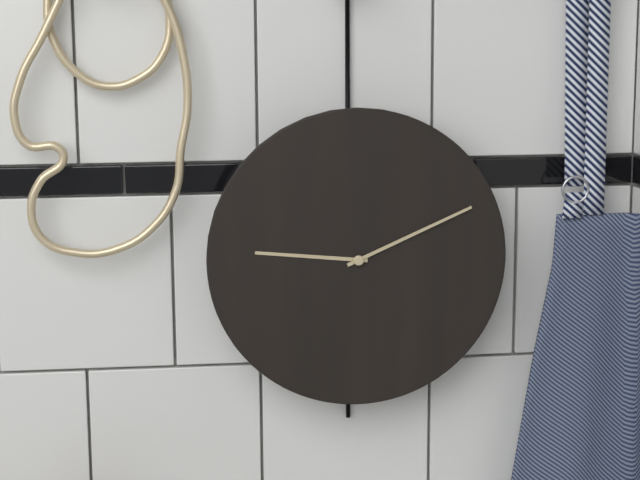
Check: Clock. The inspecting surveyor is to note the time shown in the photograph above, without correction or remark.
9:11
